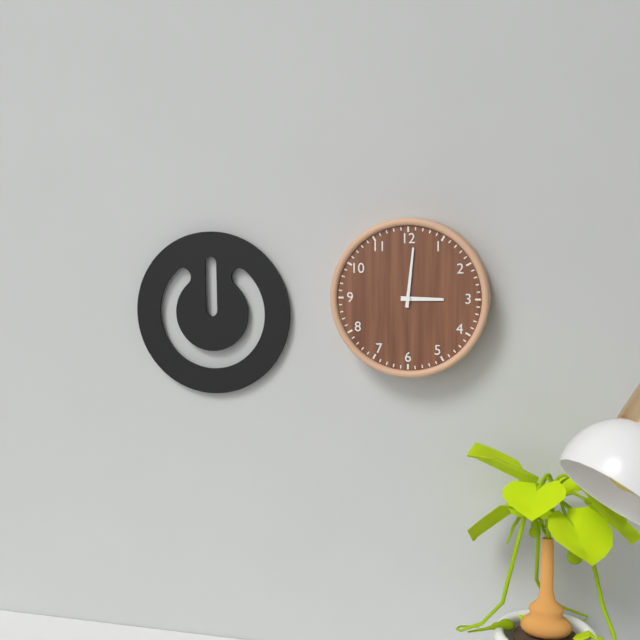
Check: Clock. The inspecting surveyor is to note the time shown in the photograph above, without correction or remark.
3:01
